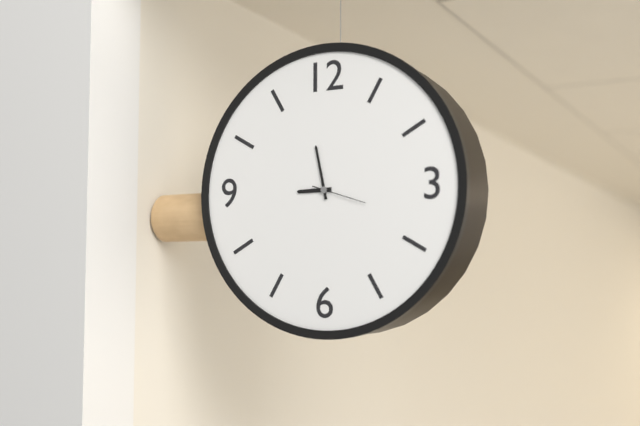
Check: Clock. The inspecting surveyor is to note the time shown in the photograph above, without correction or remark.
8:58
